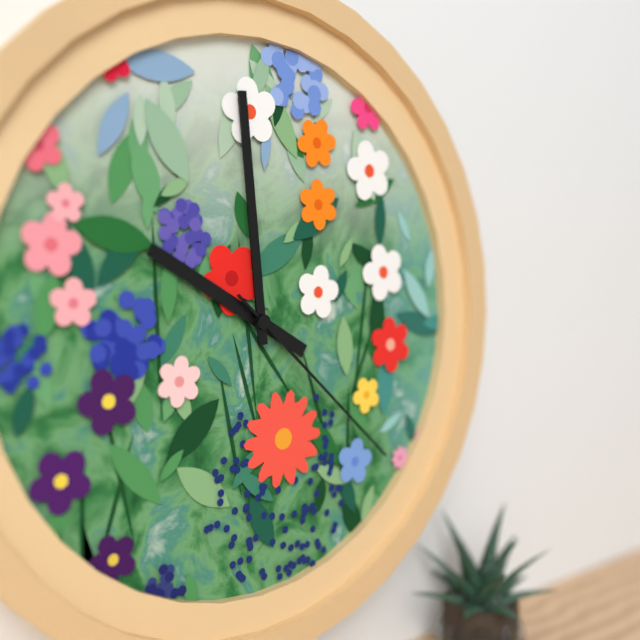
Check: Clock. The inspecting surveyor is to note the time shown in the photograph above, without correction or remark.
9:59:22
